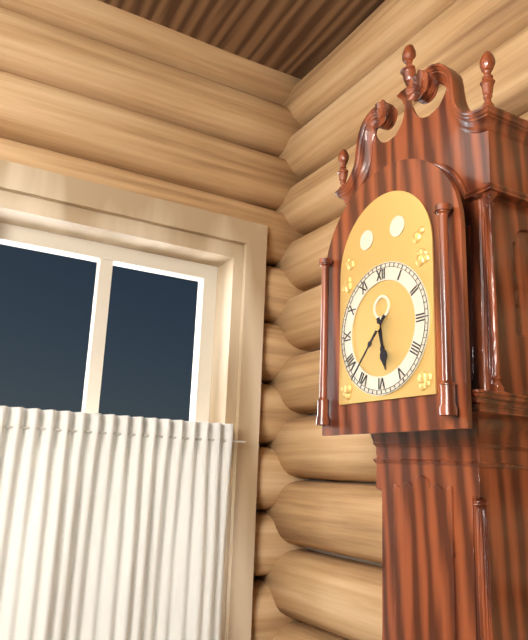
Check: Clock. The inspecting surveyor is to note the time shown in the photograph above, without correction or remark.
5:37
